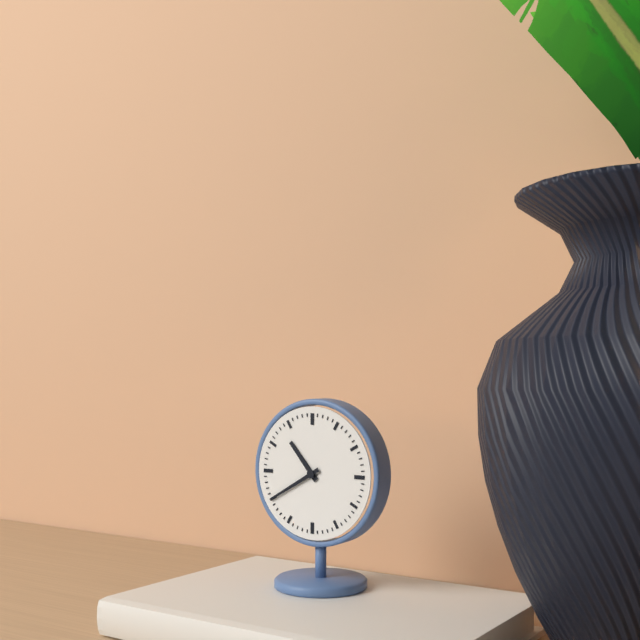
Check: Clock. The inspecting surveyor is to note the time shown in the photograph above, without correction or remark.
10:40
